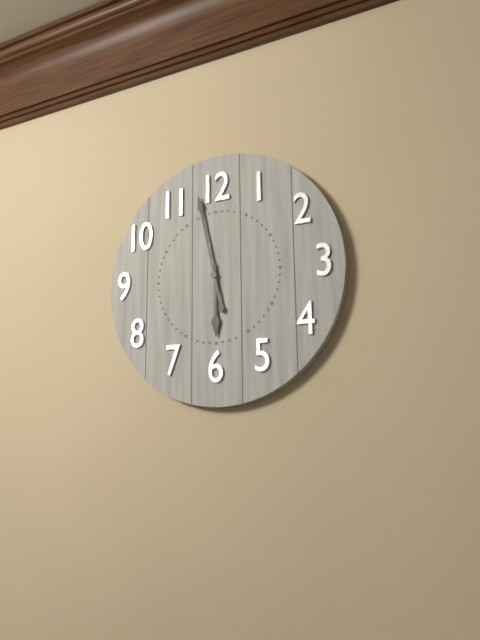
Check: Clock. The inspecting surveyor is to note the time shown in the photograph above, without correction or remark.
5:58
